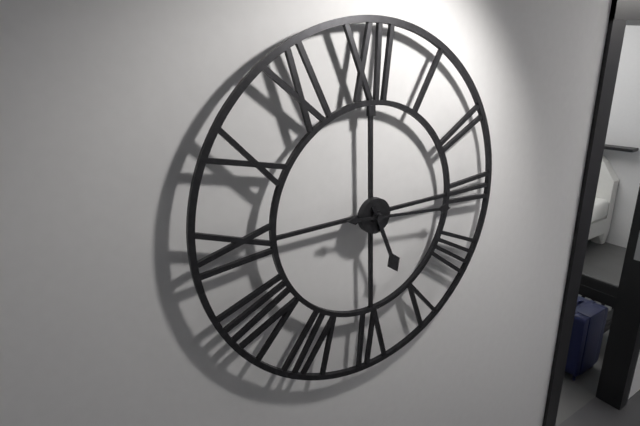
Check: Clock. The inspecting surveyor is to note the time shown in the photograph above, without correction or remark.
5:16
